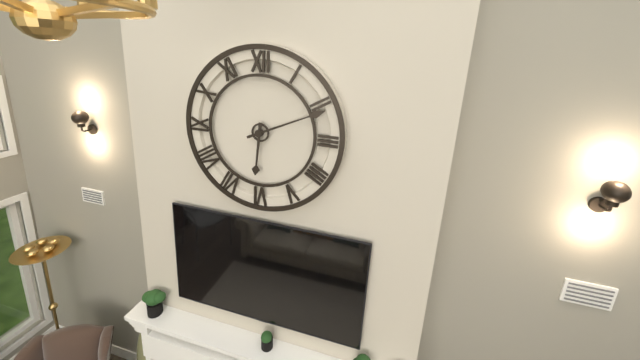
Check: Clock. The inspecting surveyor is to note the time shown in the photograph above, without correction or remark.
6:11
